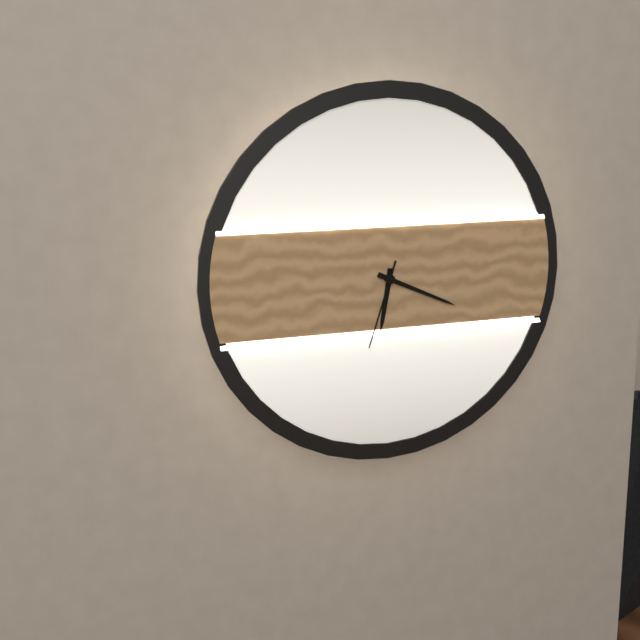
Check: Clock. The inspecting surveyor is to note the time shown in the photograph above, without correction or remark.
6:19:33
